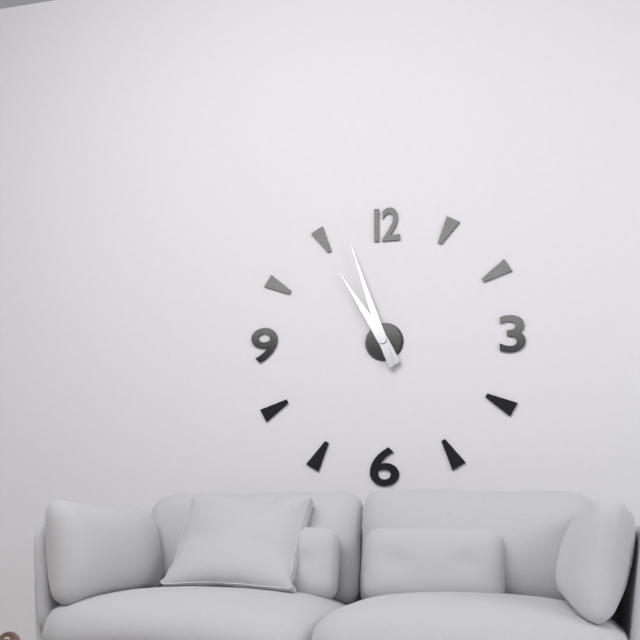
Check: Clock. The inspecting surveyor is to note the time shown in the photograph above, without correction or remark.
10:57
